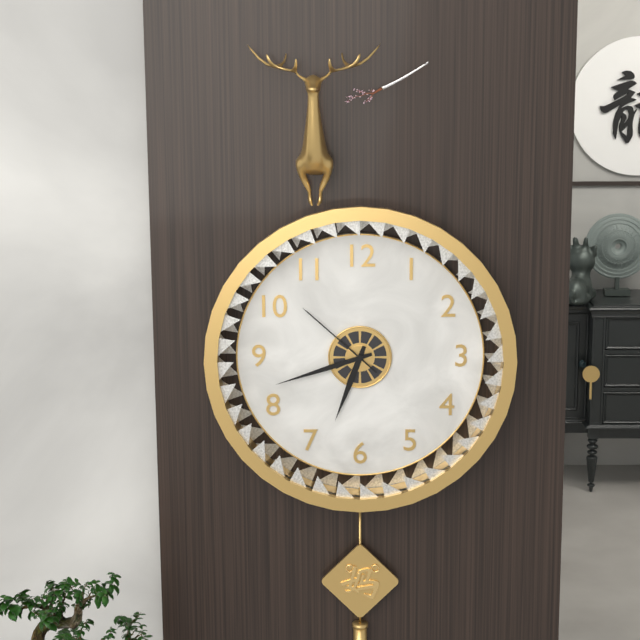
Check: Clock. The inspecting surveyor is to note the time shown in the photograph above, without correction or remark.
6:42:52
